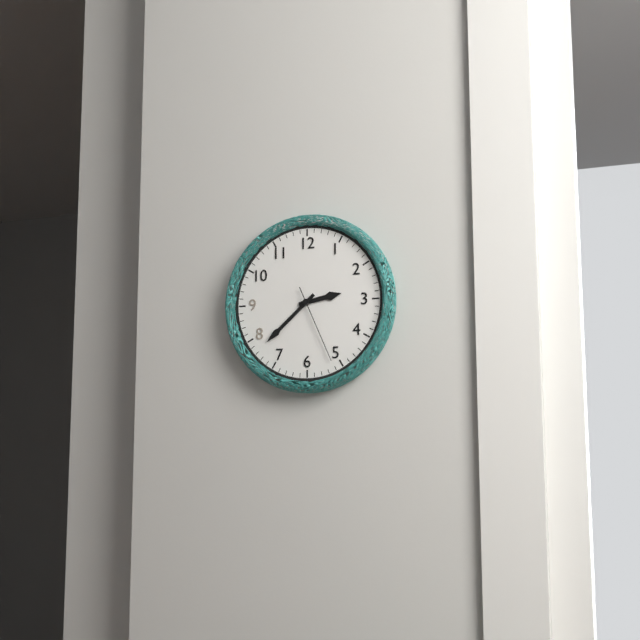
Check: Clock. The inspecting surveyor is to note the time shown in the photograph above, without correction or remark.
2:38:26
